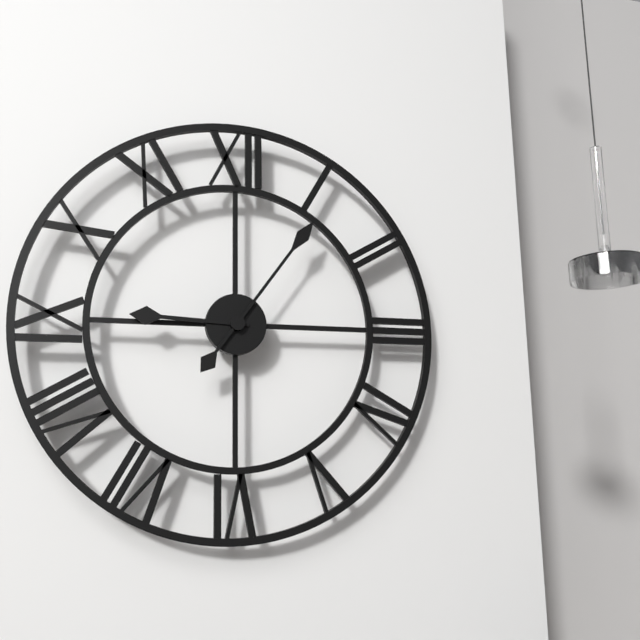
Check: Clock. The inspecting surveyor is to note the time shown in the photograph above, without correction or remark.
9:06
